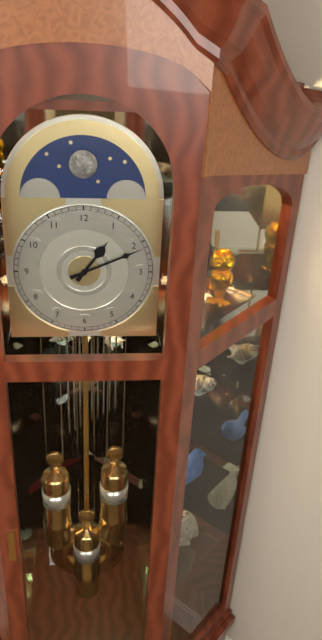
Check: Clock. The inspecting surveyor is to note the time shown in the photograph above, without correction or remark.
1:11
